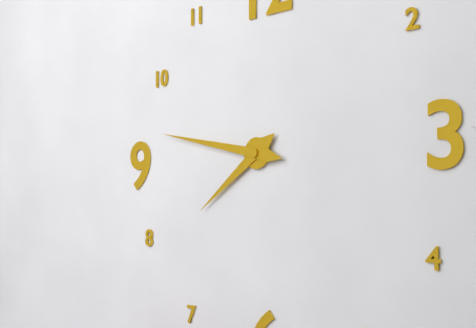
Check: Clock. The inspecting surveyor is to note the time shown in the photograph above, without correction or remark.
7:47
